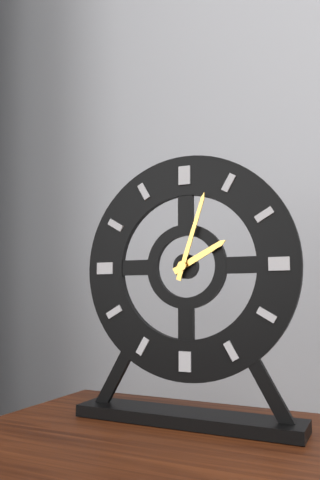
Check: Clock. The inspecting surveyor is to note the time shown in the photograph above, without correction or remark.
2:03
